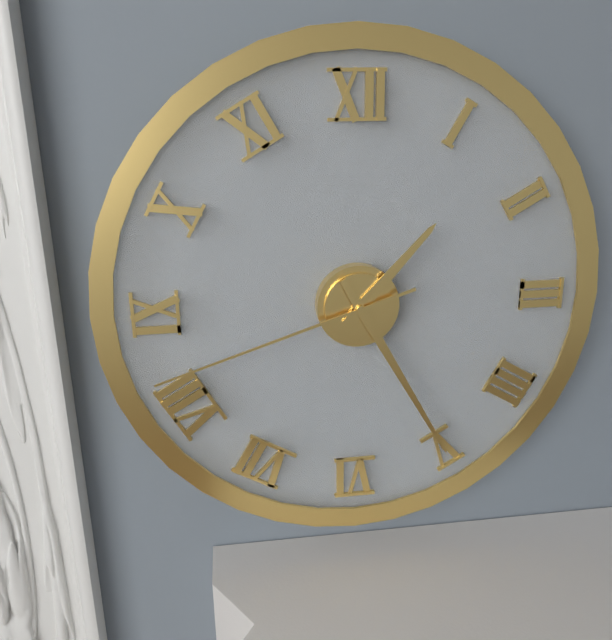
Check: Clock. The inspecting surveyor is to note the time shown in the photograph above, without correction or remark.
1:25:42
